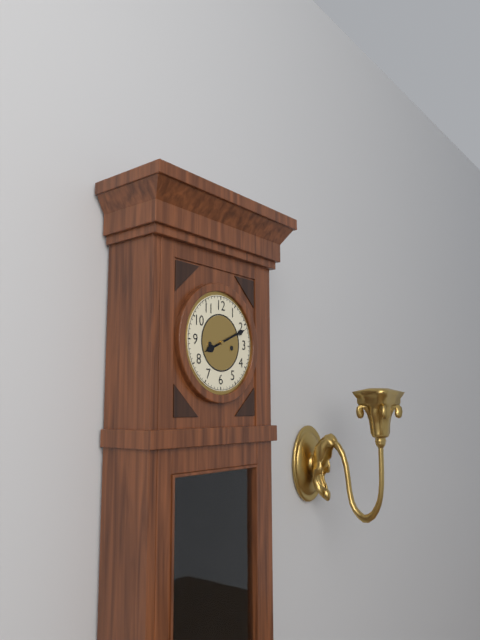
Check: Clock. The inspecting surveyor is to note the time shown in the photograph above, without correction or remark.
8:11
